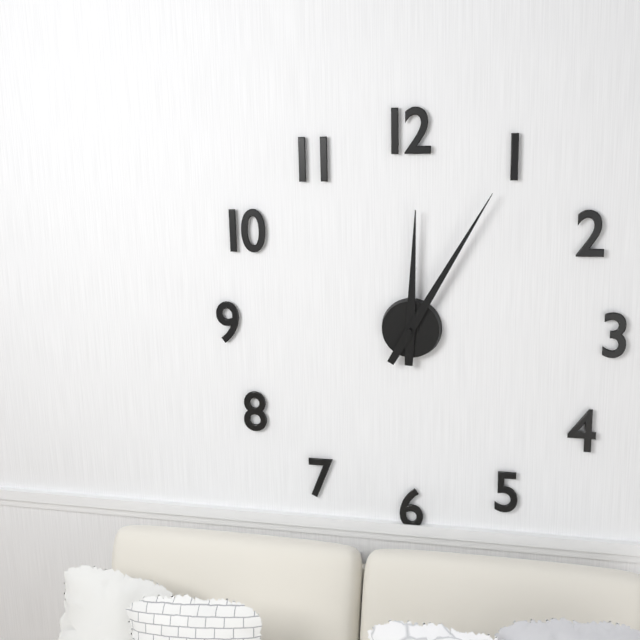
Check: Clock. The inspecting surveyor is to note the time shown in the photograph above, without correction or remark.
12:05
